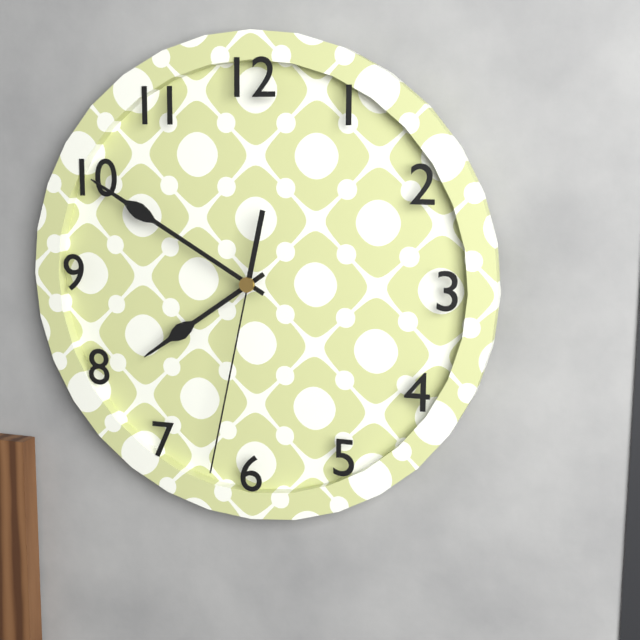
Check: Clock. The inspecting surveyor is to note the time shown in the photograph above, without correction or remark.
7:50:32
